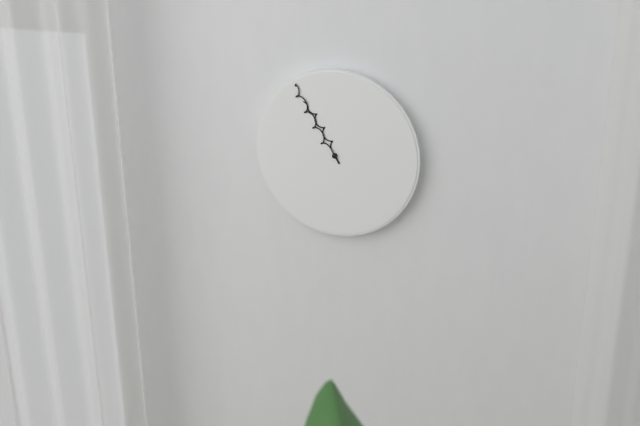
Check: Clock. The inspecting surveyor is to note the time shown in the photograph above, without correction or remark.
10:55
